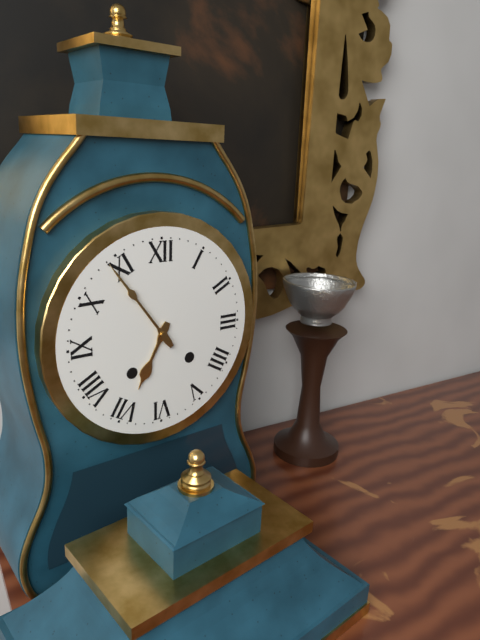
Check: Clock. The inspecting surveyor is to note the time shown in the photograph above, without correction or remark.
6:54
